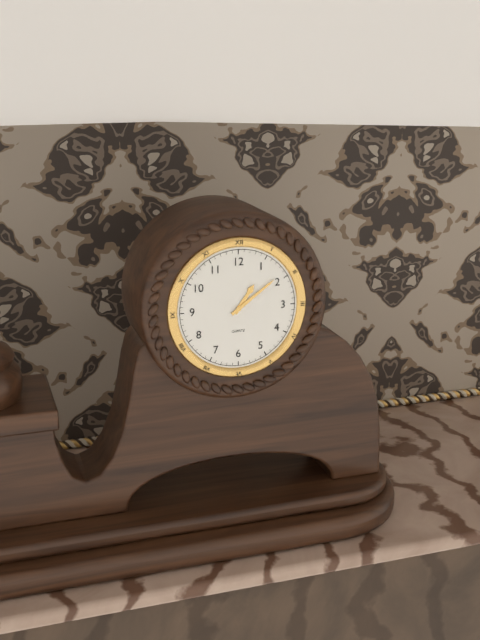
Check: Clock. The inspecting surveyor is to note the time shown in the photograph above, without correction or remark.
1:09
